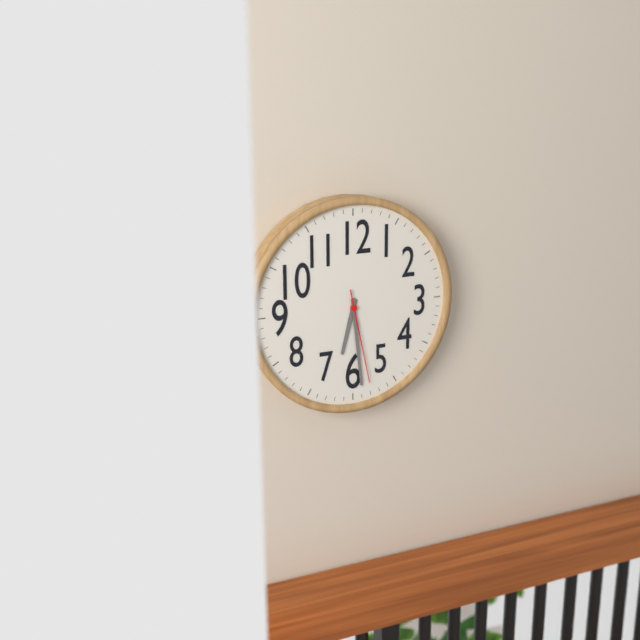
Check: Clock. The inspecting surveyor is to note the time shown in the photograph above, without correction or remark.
6:29:28
